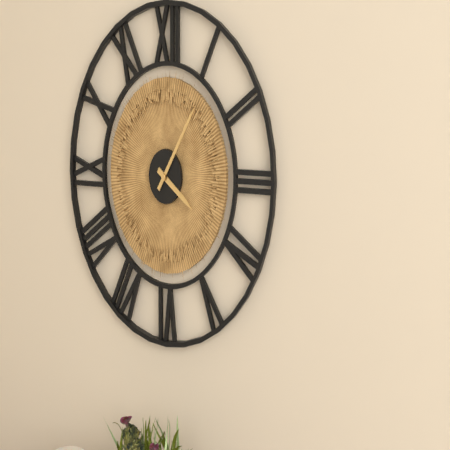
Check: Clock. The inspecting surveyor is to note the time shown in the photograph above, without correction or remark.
4:06
